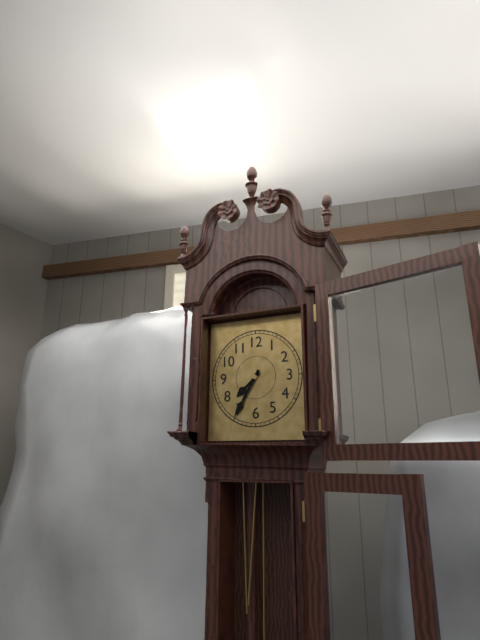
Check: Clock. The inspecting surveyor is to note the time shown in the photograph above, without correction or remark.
7:35
